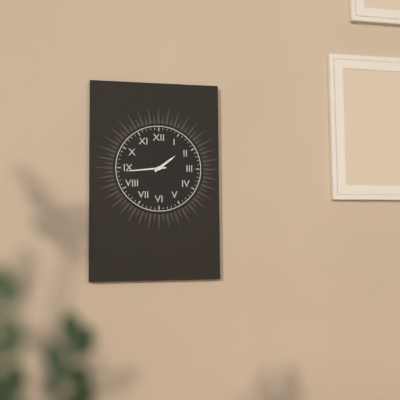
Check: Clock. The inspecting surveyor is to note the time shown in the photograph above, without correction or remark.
1:44
